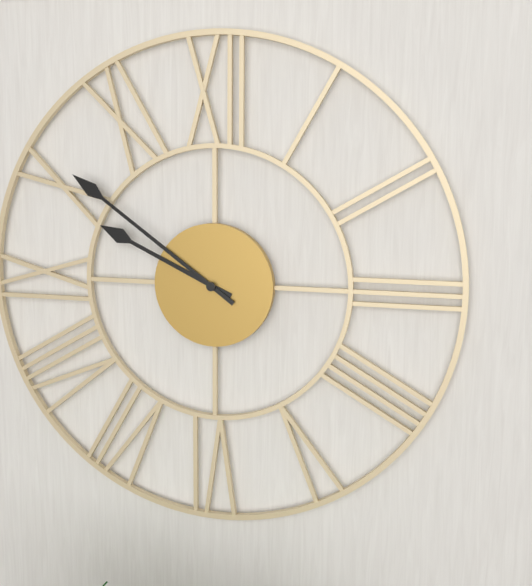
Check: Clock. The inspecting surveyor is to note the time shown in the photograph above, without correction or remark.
9:51
